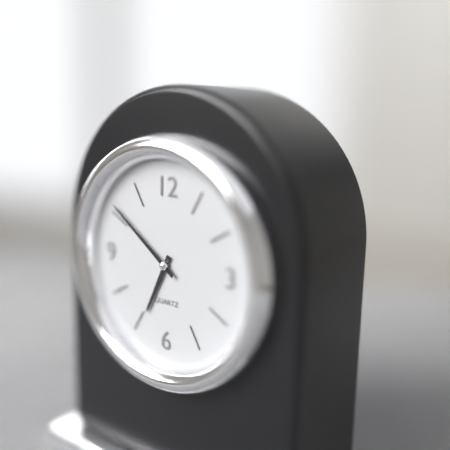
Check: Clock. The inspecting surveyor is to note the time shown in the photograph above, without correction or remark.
6:51
